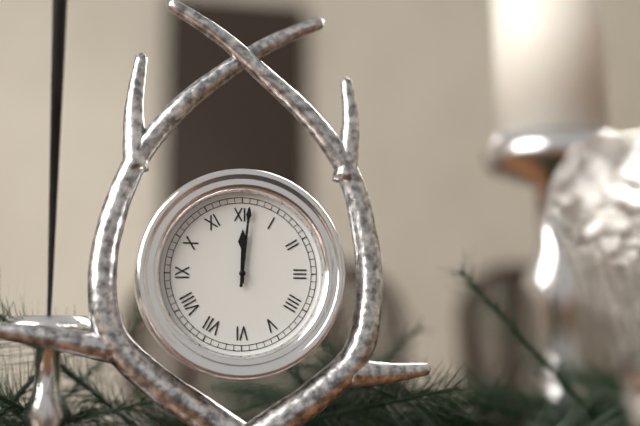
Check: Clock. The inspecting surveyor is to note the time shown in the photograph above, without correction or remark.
12:01
